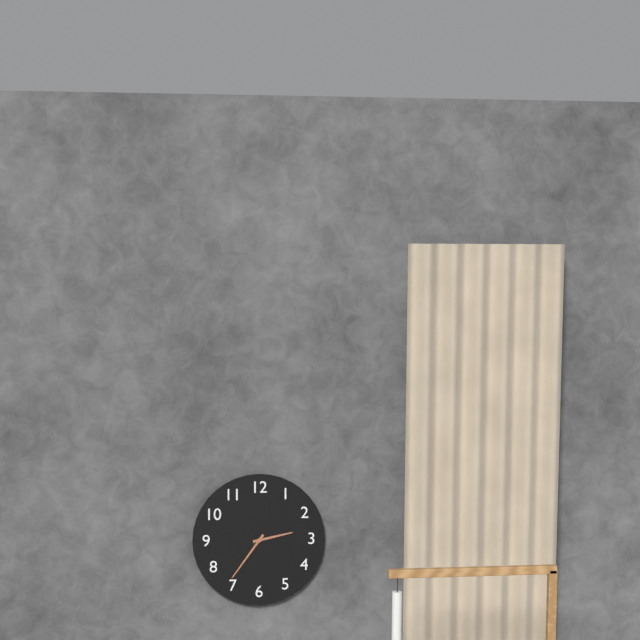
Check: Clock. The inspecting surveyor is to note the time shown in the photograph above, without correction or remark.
2:36
